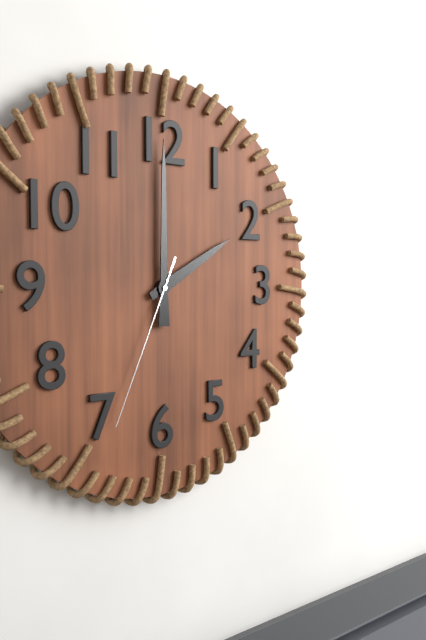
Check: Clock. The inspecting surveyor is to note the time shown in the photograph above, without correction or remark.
2:00:34
